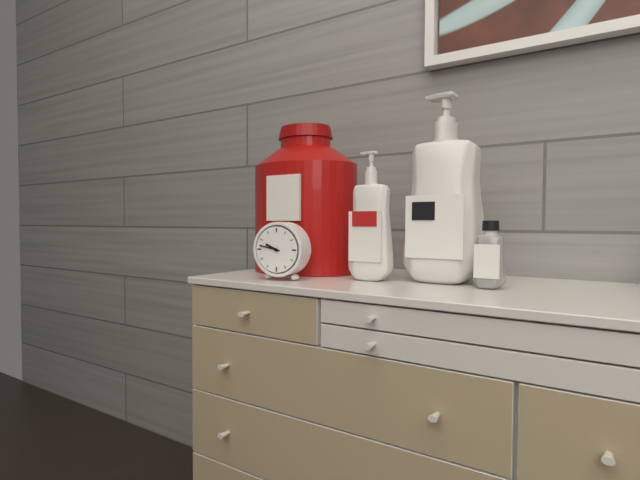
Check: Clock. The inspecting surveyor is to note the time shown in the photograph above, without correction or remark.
9:47
